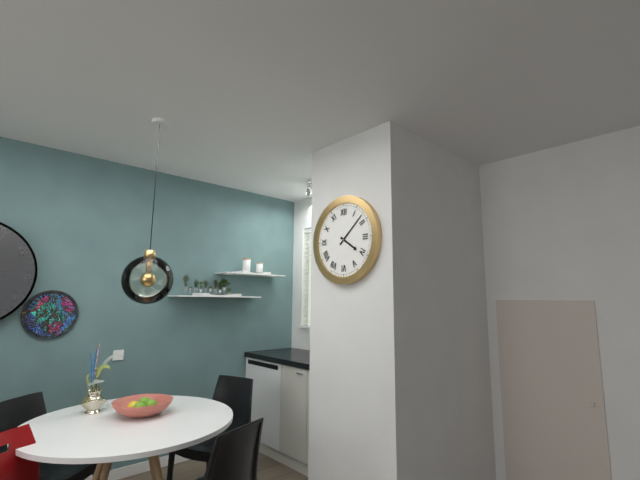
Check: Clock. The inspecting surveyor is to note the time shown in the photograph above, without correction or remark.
4:08
